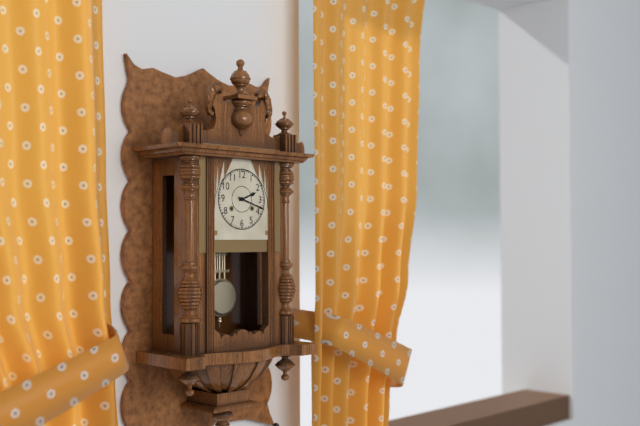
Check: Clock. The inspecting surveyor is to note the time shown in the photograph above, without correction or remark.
2:18
